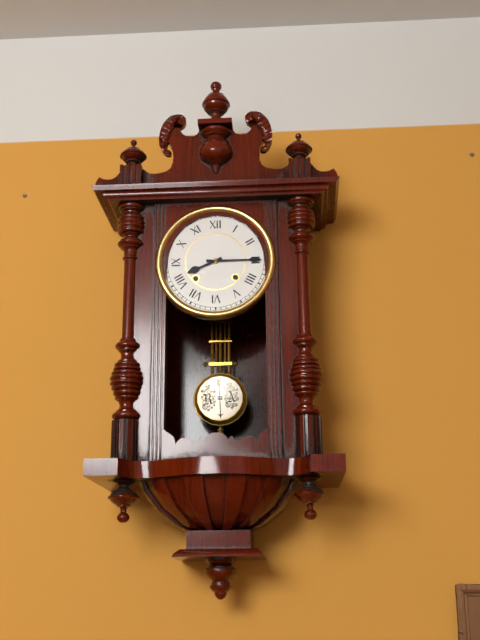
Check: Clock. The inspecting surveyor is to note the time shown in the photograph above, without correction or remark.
8:15
